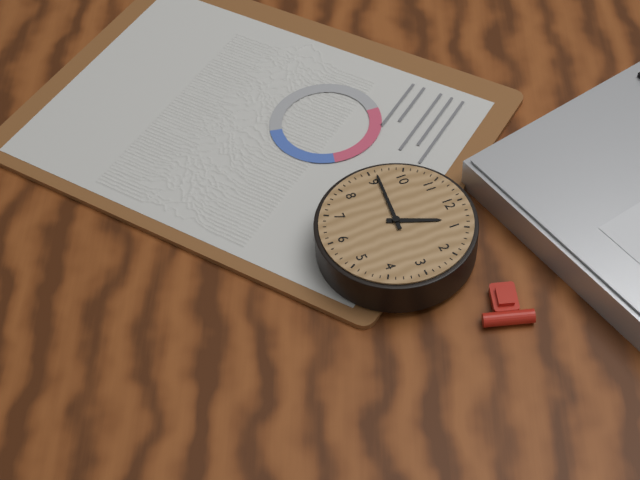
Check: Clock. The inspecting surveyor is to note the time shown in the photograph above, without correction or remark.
12:46
